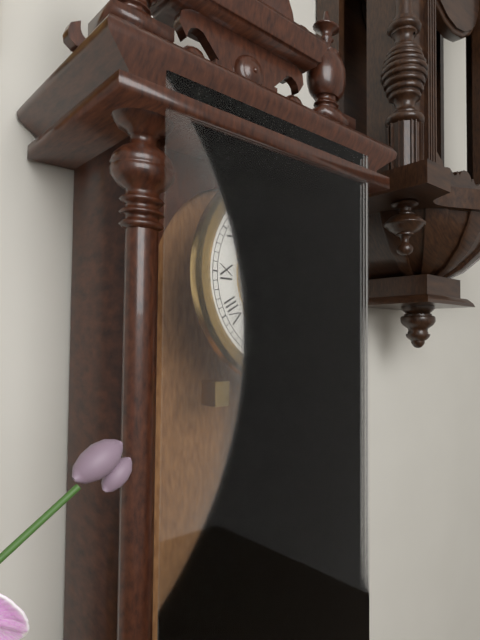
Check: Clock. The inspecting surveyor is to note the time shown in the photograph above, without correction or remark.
3:52
